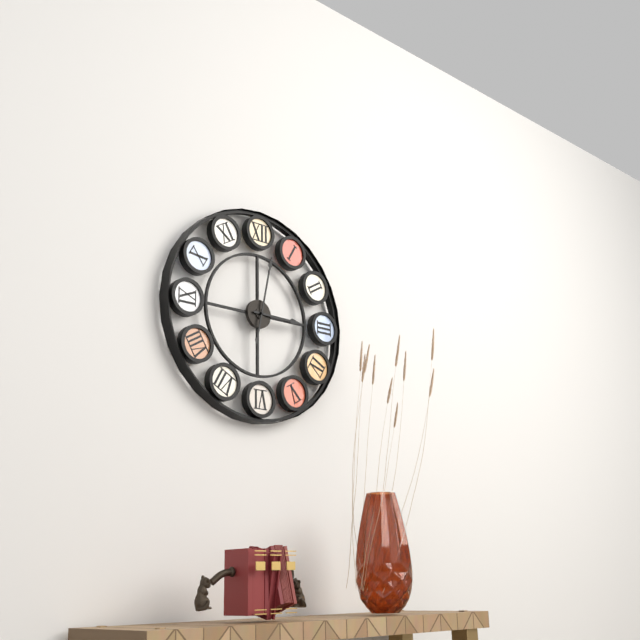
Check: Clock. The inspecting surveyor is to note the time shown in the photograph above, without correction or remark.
3:02
